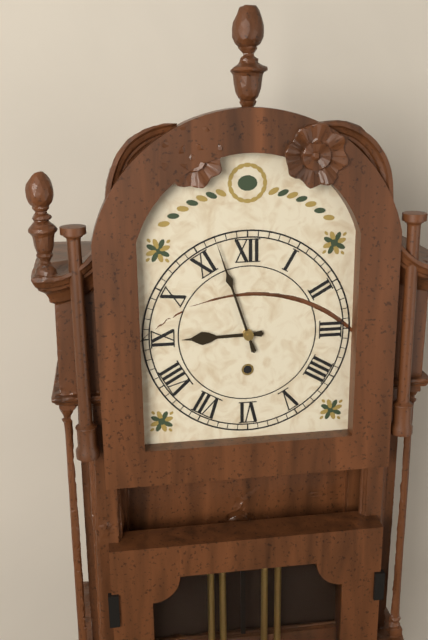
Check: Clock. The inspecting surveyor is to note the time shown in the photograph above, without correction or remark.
8:57
